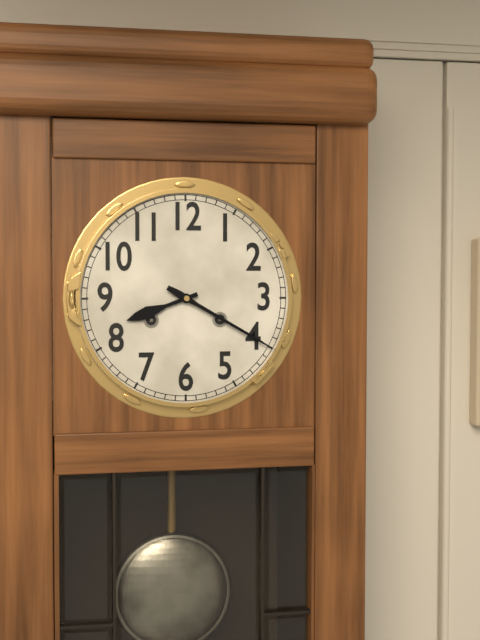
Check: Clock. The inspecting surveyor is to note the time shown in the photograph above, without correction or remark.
8:20
